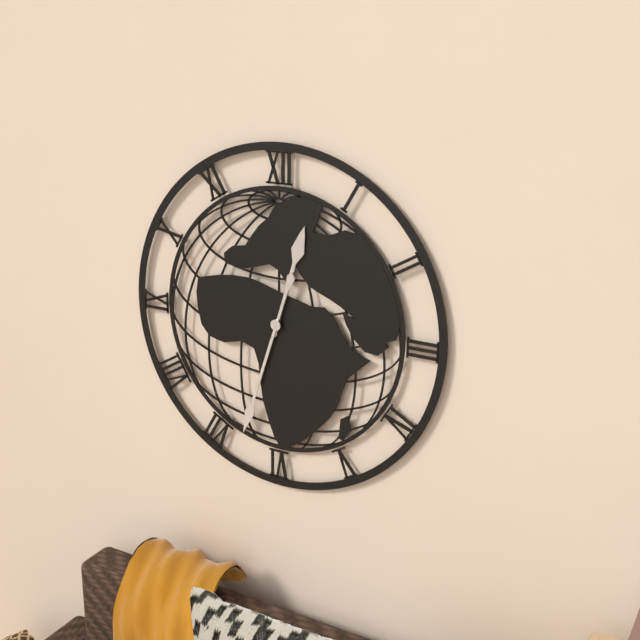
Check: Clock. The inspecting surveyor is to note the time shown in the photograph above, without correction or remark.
12:33
